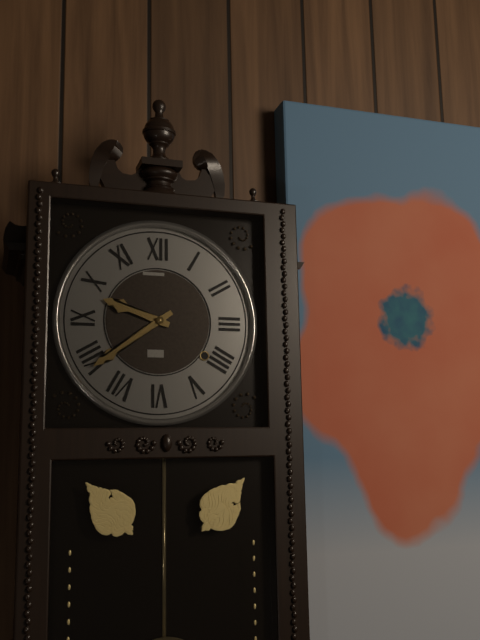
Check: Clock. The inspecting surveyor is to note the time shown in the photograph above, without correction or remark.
9:39
